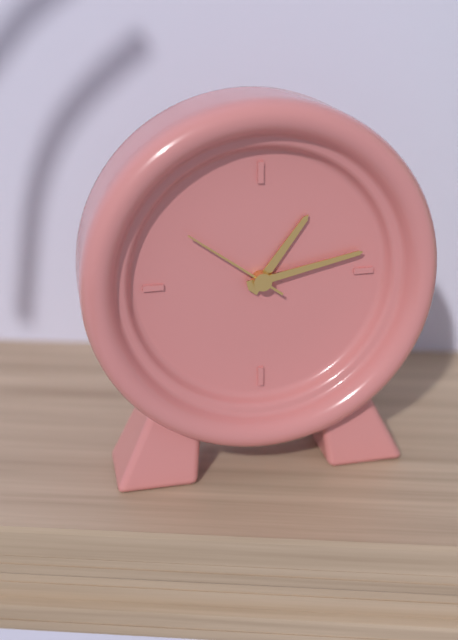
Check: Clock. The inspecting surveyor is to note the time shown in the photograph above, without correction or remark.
1:13:51
